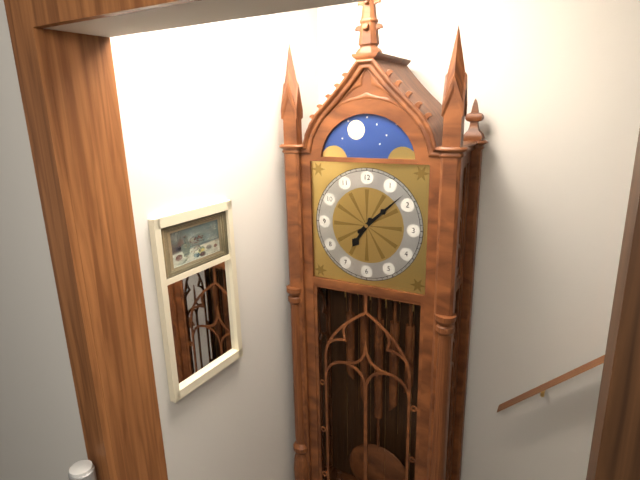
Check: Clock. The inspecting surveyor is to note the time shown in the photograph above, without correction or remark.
7:08
